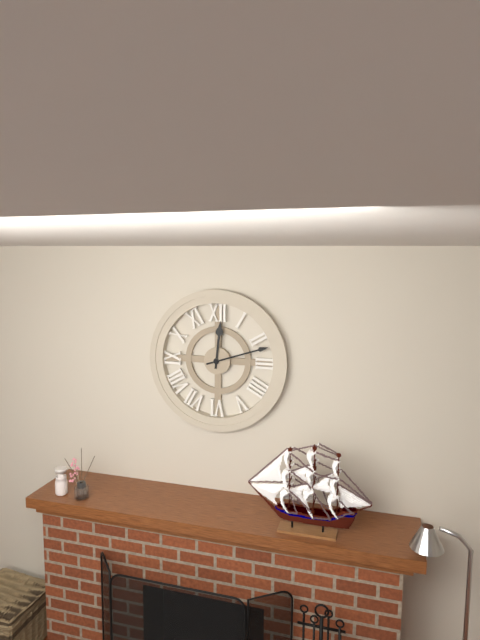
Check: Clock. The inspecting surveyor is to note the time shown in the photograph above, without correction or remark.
12:12
